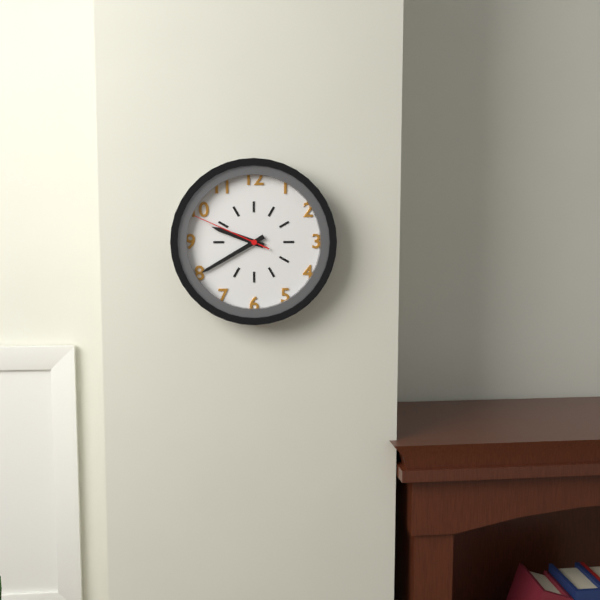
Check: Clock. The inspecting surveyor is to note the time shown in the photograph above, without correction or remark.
9:40:49
